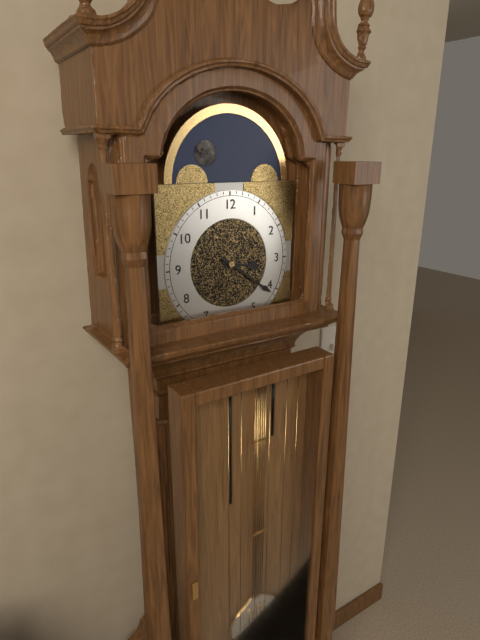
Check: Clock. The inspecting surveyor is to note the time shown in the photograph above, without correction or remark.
3:21
